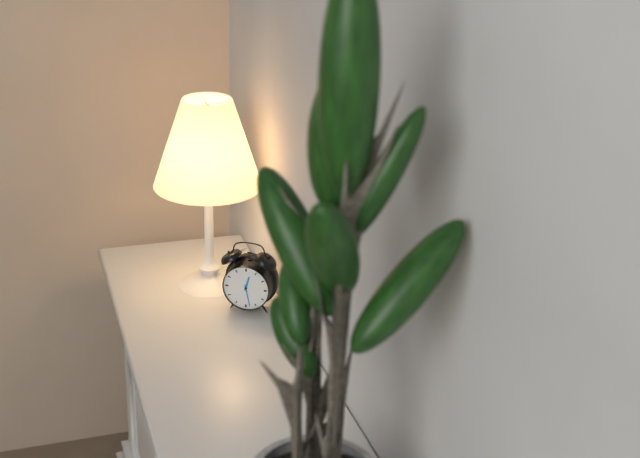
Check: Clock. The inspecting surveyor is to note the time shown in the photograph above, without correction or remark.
12:28
